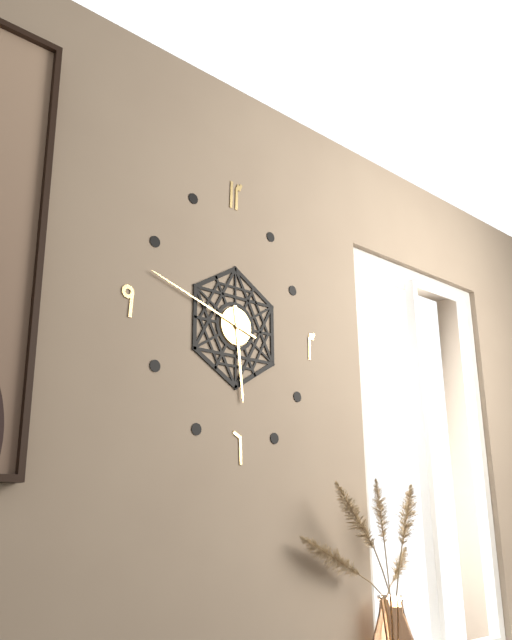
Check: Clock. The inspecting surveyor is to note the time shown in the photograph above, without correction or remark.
5:48
